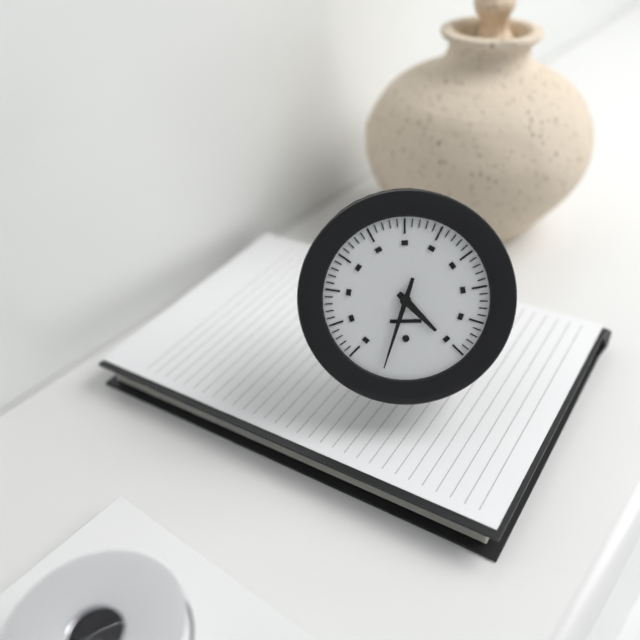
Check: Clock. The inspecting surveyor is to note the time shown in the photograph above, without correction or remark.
4:33
